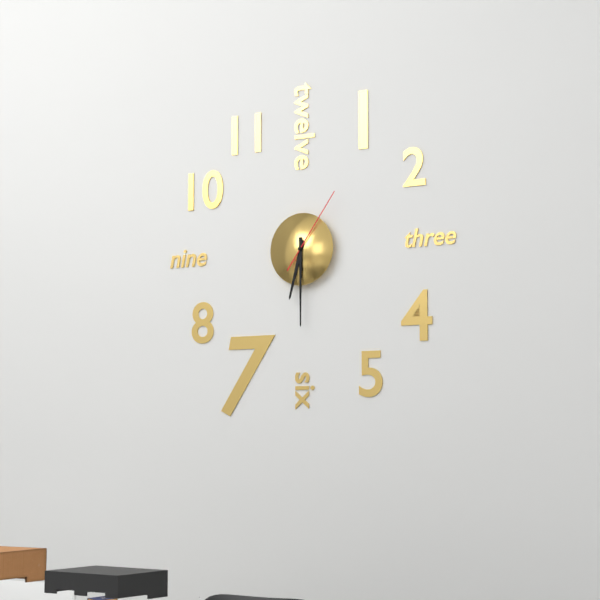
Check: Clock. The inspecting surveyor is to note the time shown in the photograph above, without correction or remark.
6:30:06
